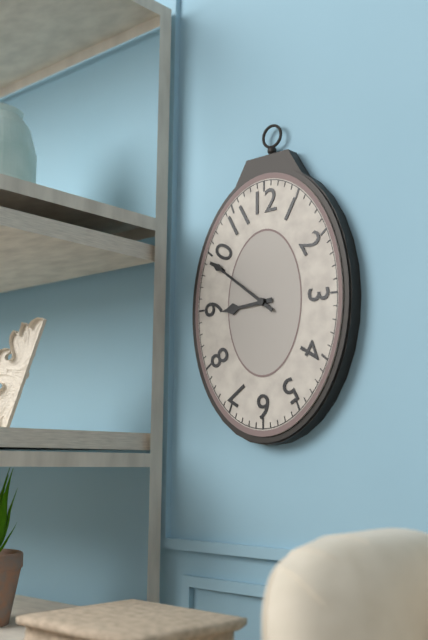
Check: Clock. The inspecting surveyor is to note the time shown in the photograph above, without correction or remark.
8:51
